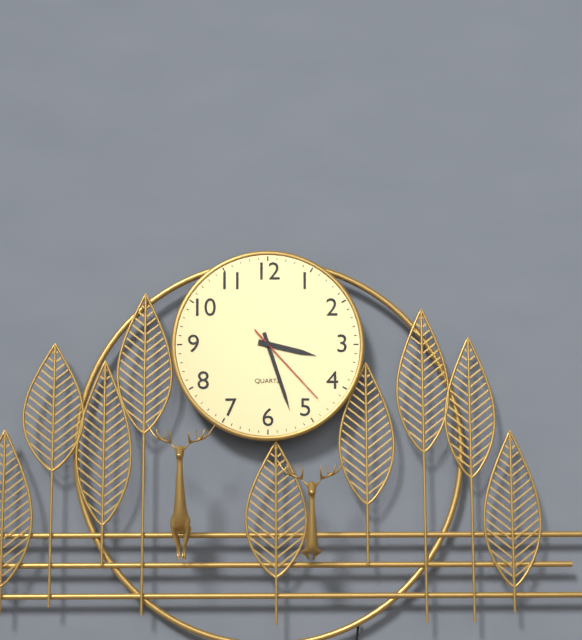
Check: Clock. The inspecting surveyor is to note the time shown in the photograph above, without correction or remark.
3:27:23
